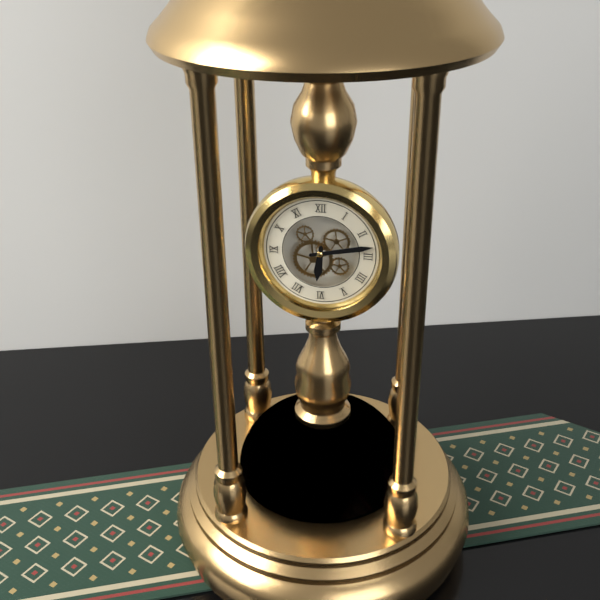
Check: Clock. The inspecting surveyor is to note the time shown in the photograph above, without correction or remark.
6:13
